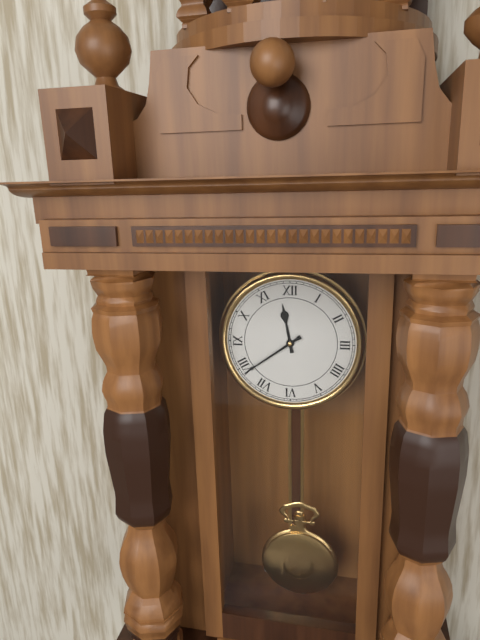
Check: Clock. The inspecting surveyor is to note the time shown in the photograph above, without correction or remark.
11:39
